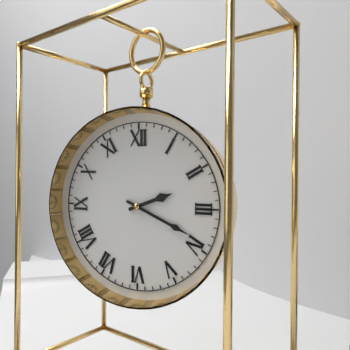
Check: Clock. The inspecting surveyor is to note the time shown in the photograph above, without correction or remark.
2:19
